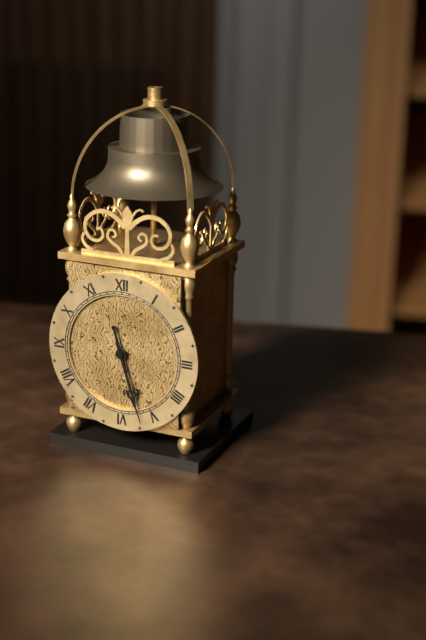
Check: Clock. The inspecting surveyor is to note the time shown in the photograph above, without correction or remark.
5:27
